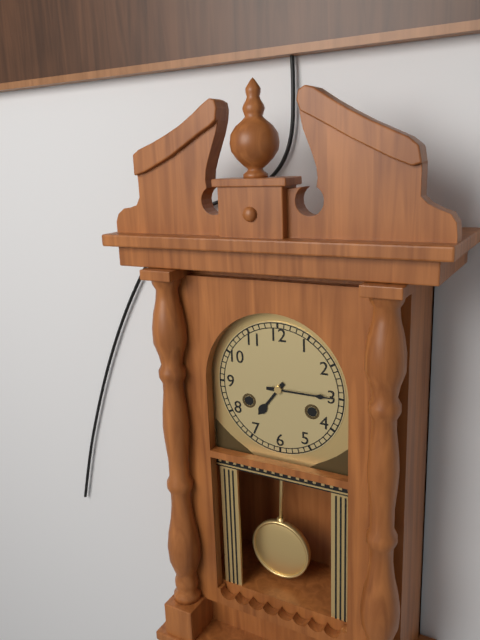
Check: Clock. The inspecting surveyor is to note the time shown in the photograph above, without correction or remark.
7:15
